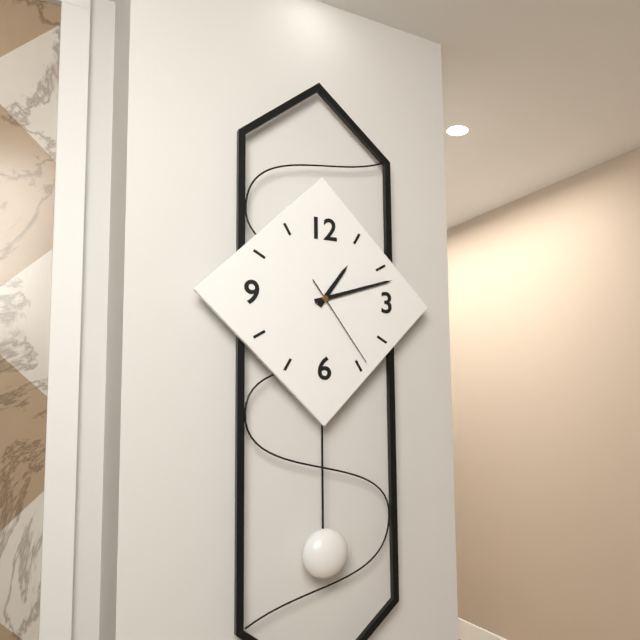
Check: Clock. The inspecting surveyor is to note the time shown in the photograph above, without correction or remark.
1:12:24
